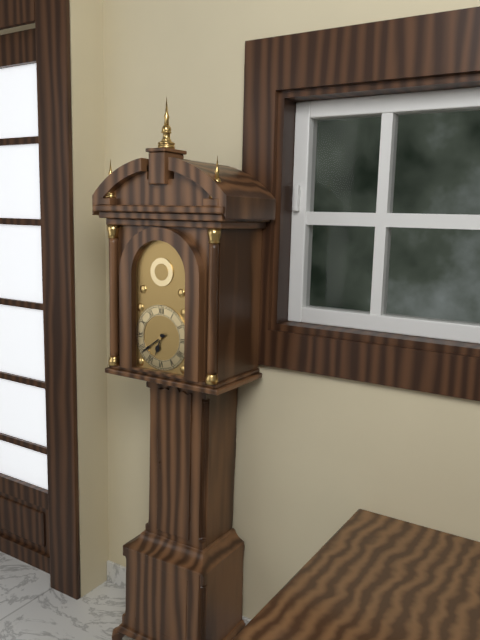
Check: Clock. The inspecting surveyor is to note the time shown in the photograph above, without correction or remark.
6:39
